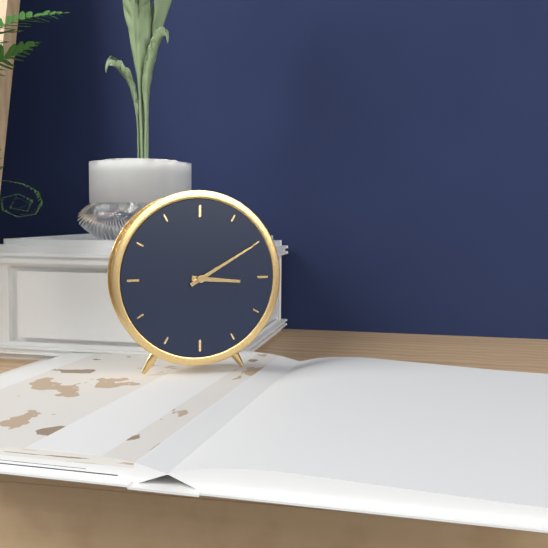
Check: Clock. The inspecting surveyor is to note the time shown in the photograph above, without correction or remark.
3:10
